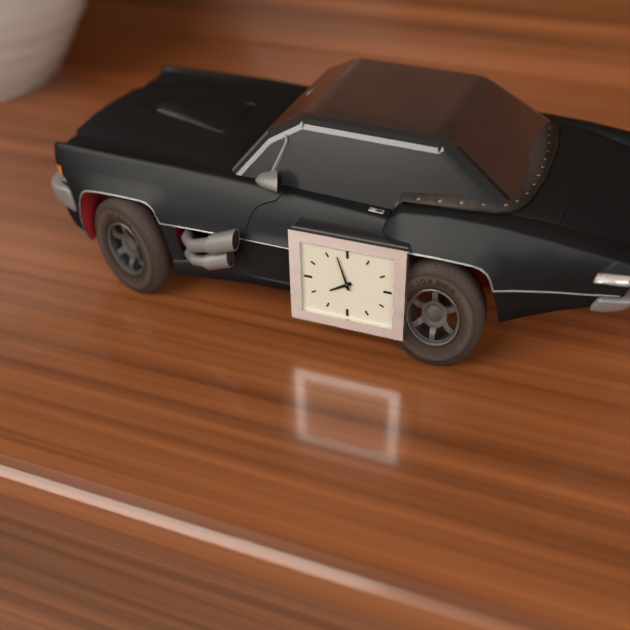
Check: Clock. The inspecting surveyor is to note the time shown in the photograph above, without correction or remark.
7:57
